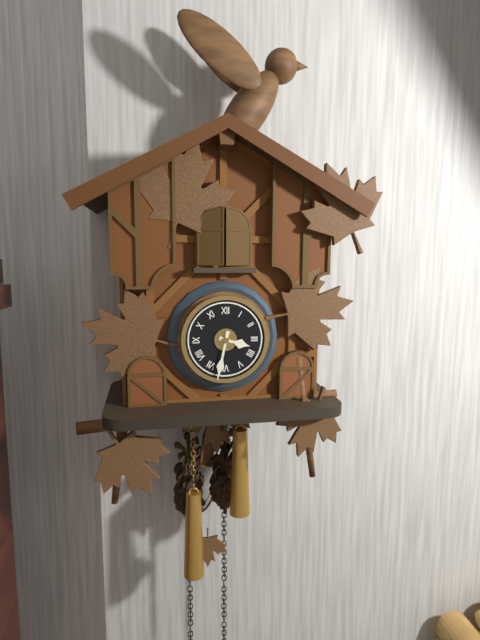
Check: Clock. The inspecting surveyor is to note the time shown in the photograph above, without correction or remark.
3:32
